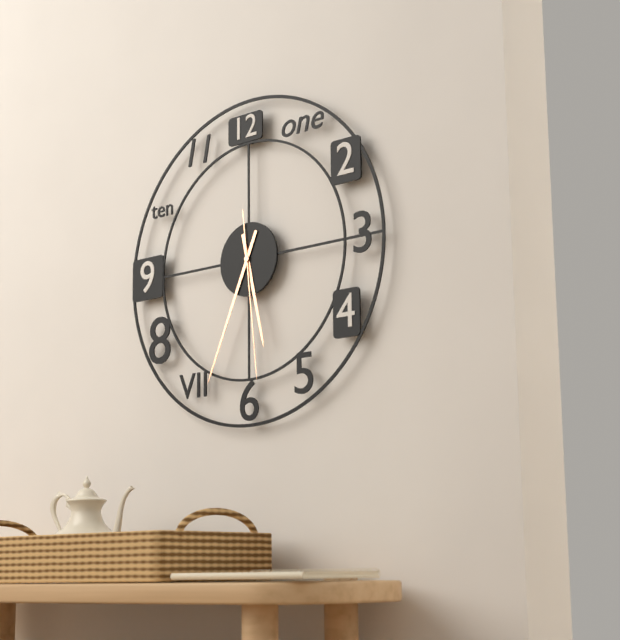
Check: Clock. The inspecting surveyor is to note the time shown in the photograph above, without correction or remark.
5:34:29
